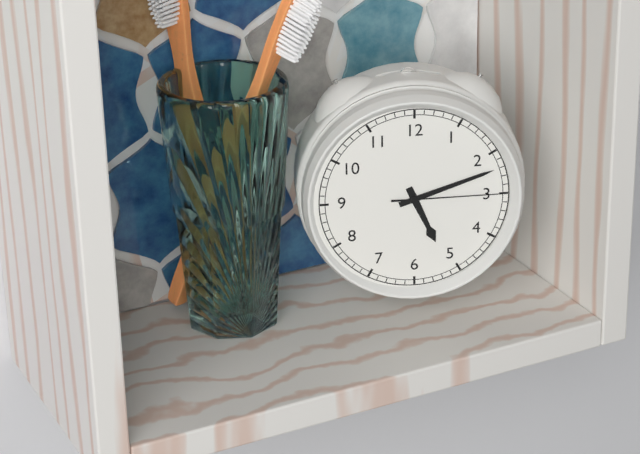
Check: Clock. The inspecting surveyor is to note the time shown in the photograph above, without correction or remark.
5:12:15
